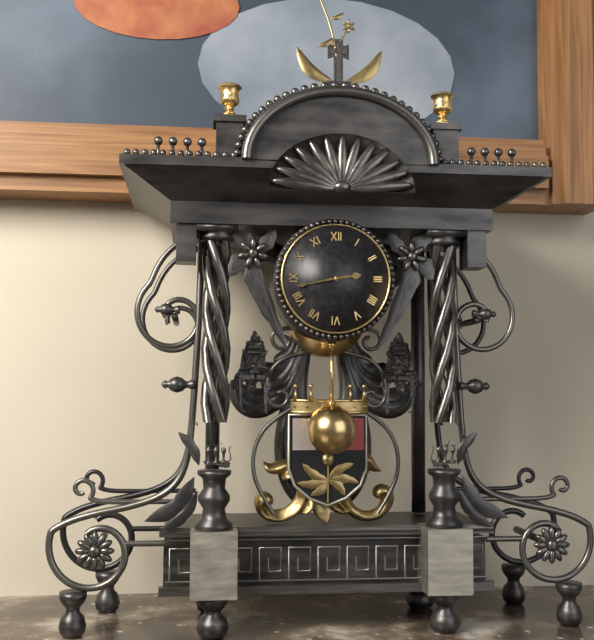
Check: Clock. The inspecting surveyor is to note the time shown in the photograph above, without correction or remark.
2:43
